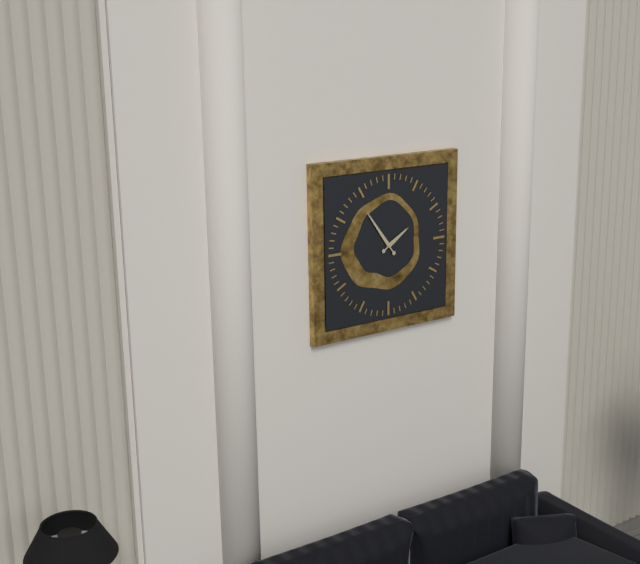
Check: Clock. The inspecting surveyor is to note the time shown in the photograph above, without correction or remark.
1:54
